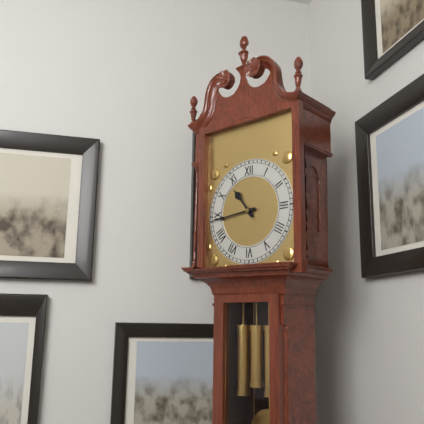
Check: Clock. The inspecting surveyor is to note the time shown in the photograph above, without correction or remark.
10:44
